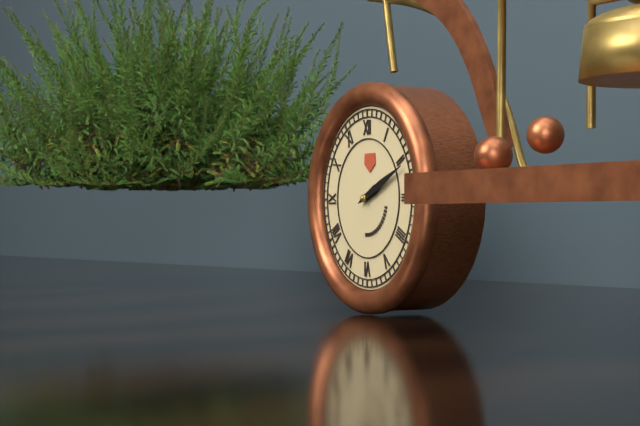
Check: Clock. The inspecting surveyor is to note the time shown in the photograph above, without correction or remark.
2:11
